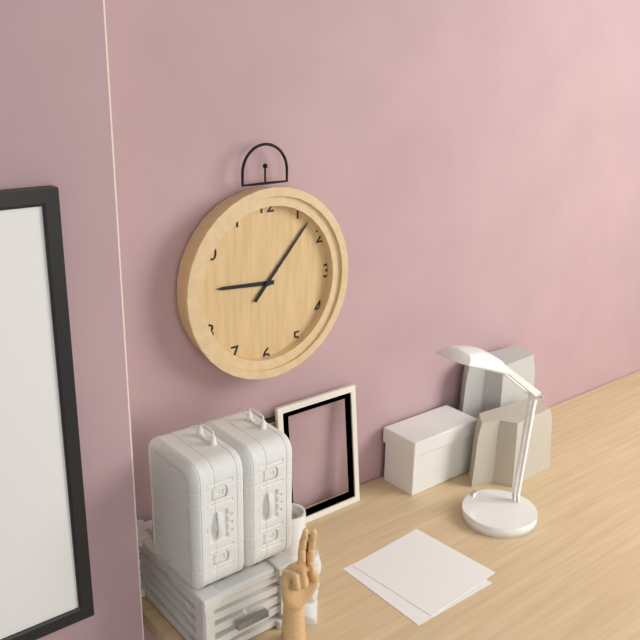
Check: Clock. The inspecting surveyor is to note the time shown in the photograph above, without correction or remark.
9:07
